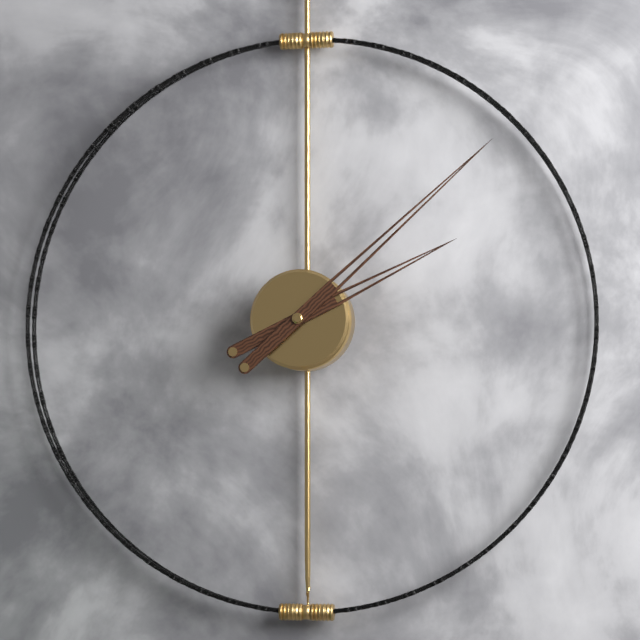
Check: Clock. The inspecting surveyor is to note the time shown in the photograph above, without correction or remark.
2:08
